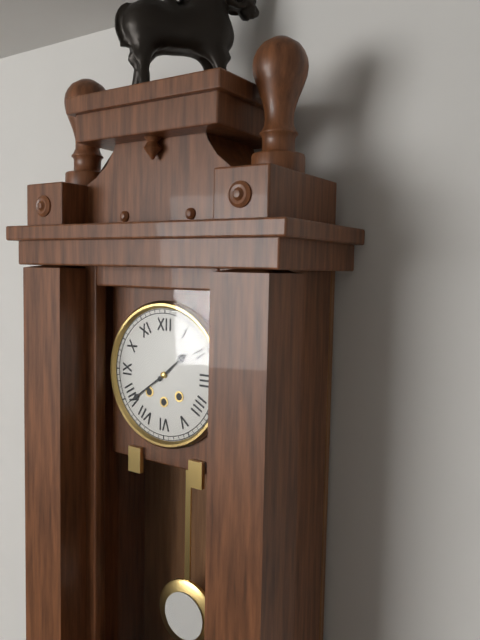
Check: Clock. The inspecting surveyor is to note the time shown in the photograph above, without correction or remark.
1:39
